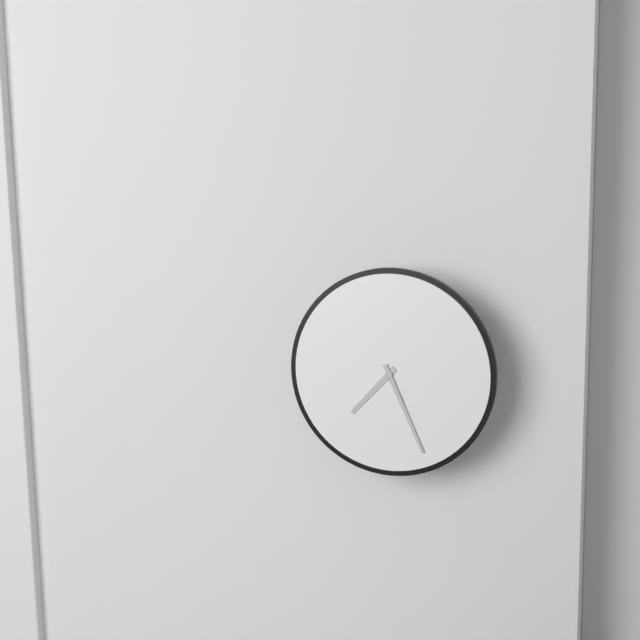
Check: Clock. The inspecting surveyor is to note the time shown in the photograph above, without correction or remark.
7:26
